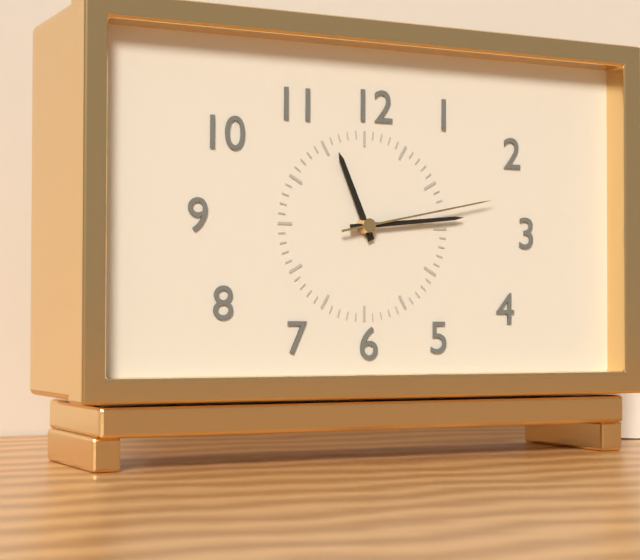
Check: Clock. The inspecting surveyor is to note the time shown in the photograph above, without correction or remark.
11:14:13
